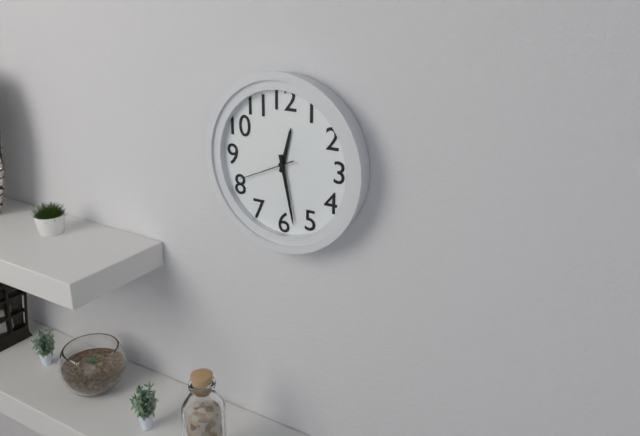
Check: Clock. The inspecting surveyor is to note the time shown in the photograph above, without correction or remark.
12:28:41
